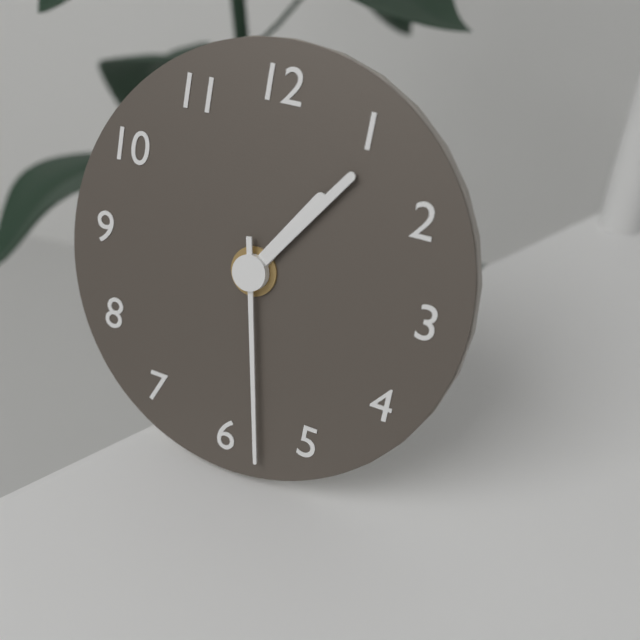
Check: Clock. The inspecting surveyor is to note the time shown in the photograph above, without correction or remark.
1:06:28
